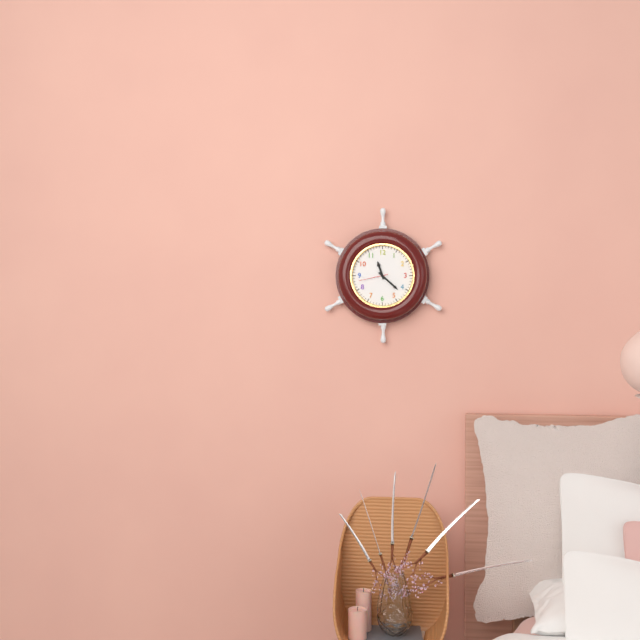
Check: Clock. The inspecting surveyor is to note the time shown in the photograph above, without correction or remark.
11:22
